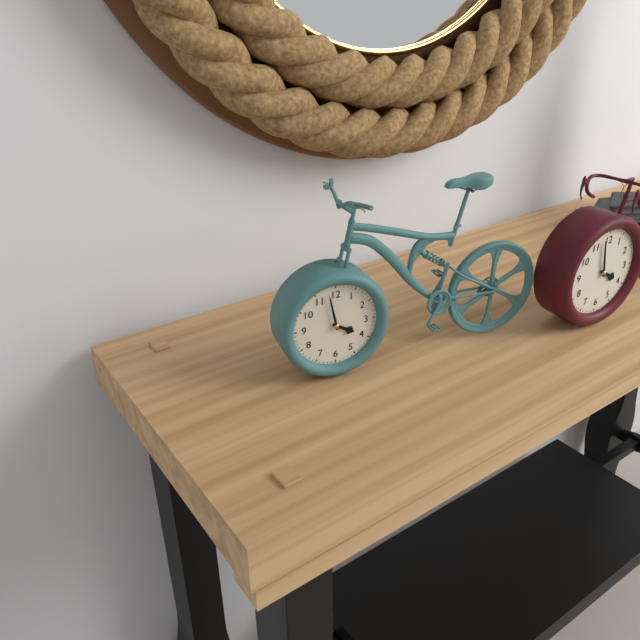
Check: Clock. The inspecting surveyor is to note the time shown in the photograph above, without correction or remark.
3:58
